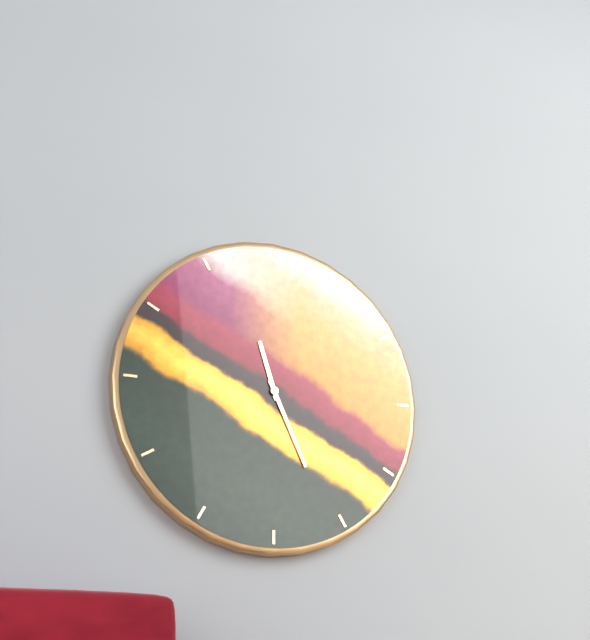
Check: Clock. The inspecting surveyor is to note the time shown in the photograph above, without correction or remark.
11:26
